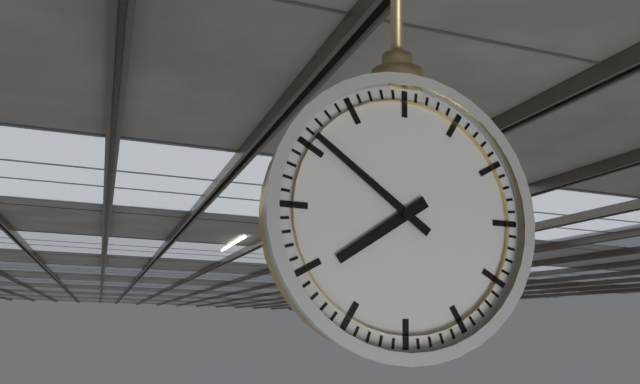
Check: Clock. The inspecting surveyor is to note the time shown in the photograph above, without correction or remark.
7:51
